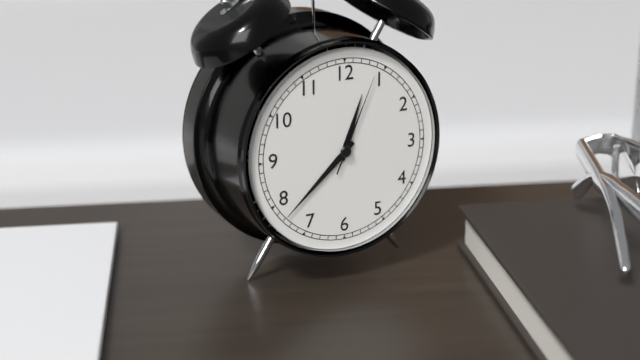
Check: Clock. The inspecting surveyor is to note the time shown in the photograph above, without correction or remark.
12:38:04
